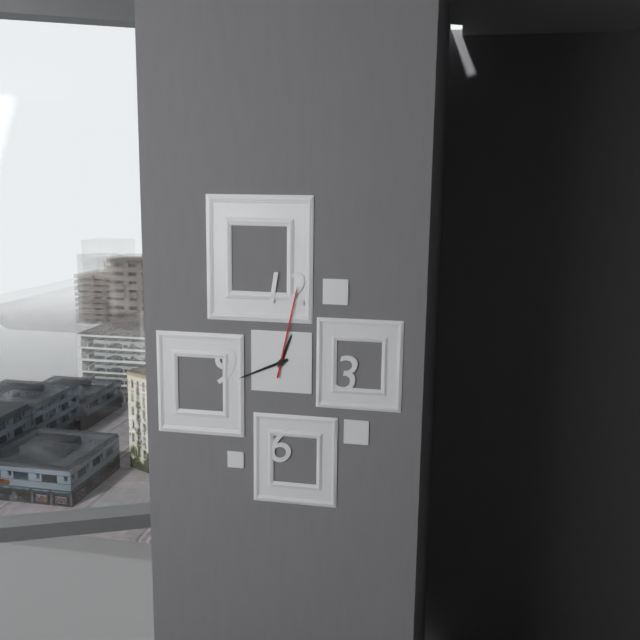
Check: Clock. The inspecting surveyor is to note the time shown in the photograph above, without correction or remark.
12:41:02
